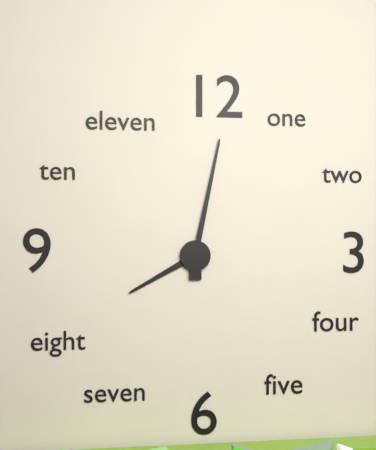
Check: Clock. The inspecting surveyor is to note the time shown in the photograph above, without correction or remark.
8:02
